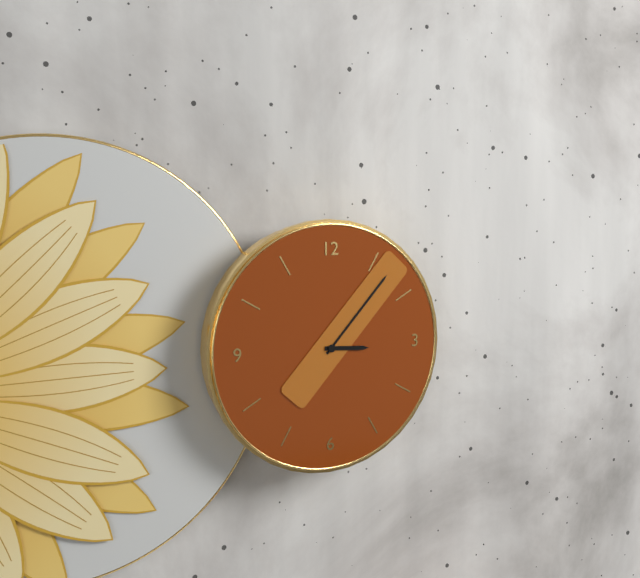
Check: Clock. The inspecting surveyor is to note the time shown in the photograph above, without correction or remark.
3:07
